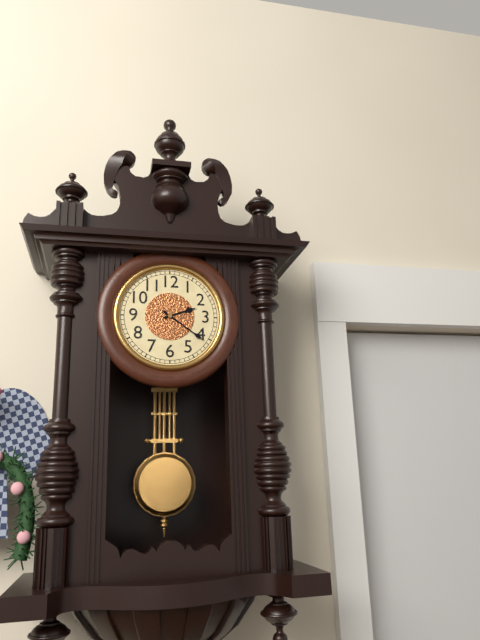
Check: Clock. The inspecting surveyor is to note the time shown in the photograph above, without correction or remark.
2:21
